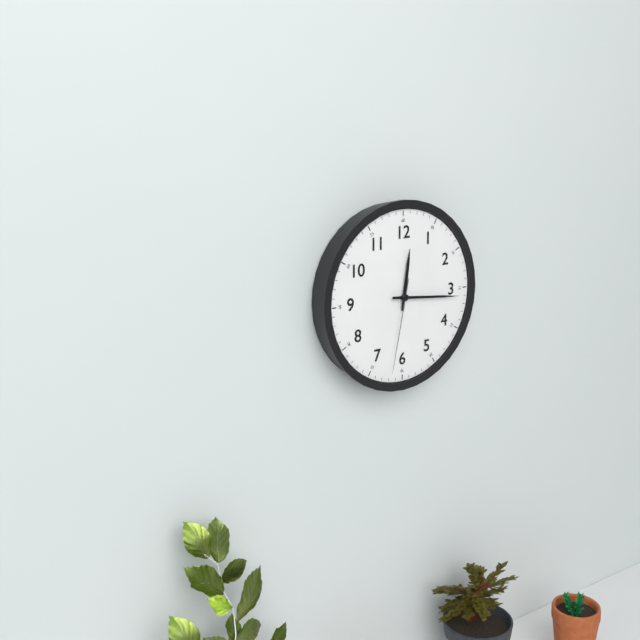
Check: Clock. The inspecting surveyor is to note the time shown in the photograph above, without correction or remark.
12:16:32
